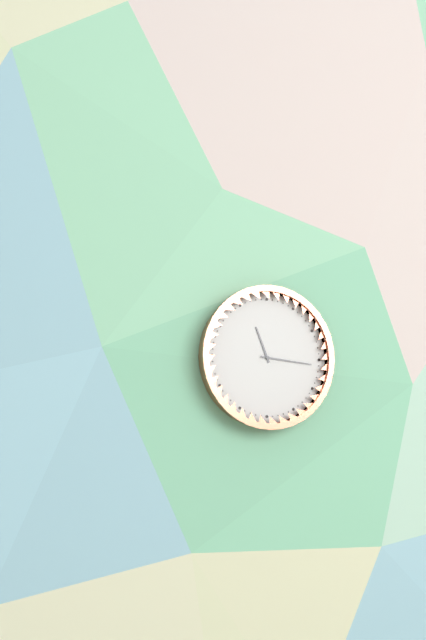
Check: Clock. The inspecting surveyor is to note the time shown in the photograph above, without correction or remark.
11:16
